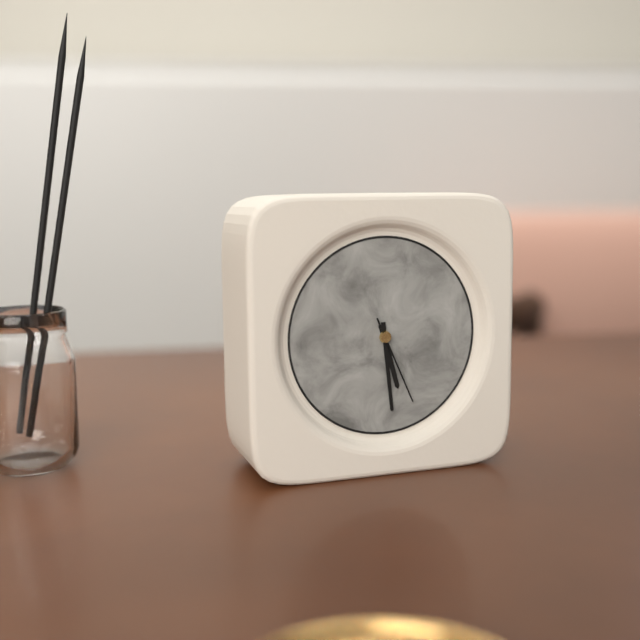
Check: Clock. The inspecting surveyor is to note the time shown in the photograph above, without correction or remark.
5:29:26
